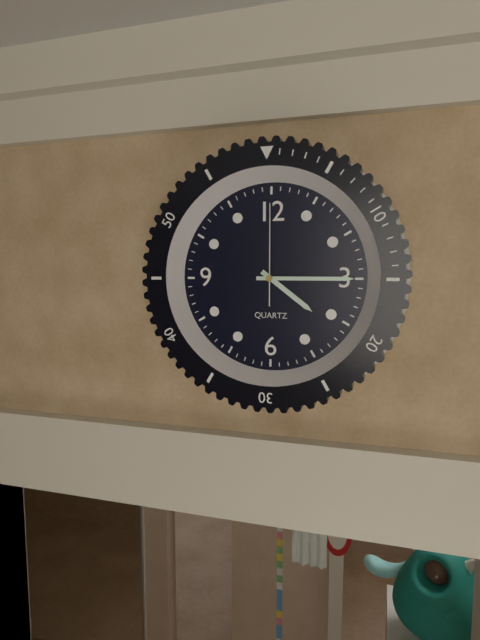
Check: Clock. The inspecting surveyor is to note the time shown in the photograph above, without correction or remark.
4:15:00
